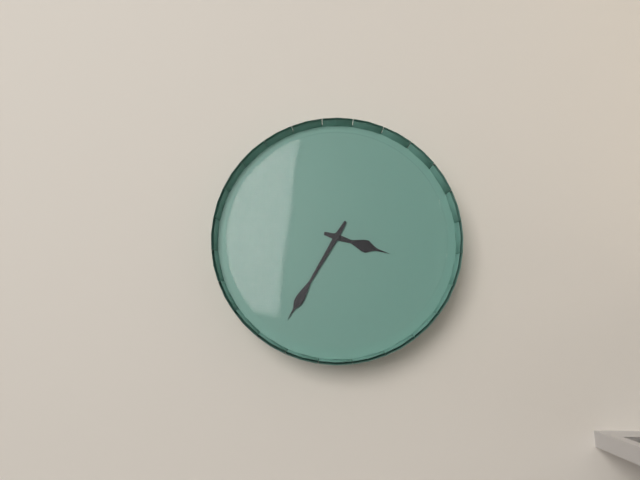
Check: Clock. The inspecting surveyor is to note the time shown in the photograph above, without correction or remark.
3:35
